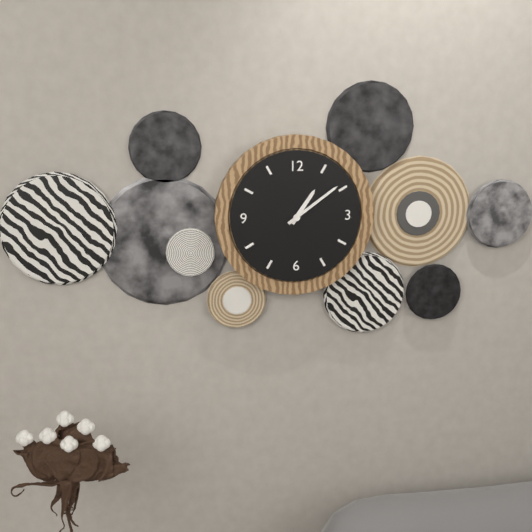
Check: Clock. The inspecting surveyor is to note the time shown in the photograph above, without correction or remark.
1:09
